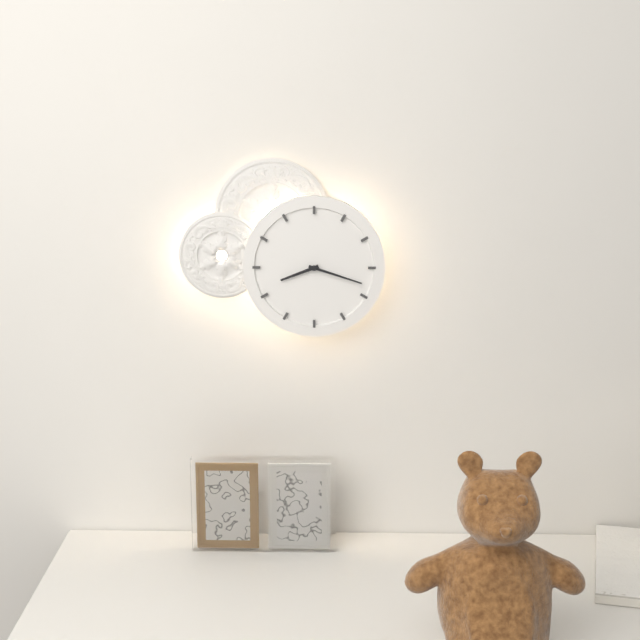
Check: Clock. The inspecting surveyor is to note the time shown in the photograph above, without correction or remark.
8:18
